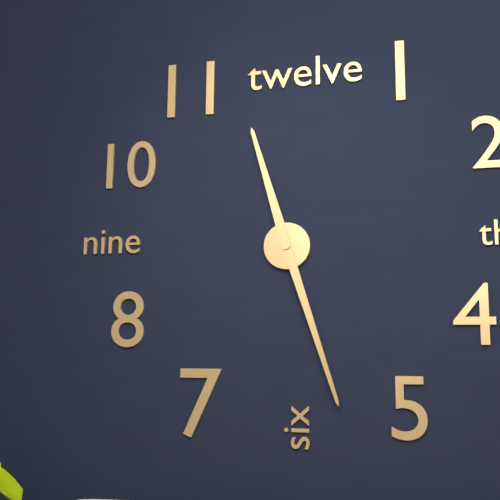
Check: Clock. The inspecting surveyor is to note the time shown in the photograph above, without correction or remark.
11:27
